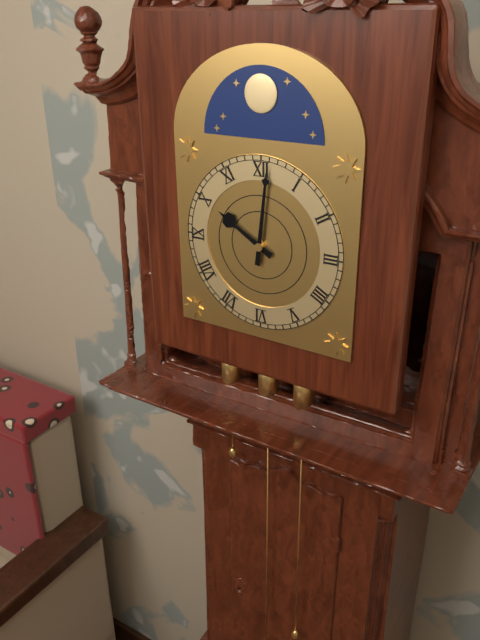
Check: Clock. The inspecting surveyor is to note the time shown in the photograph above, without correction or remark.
10:01
